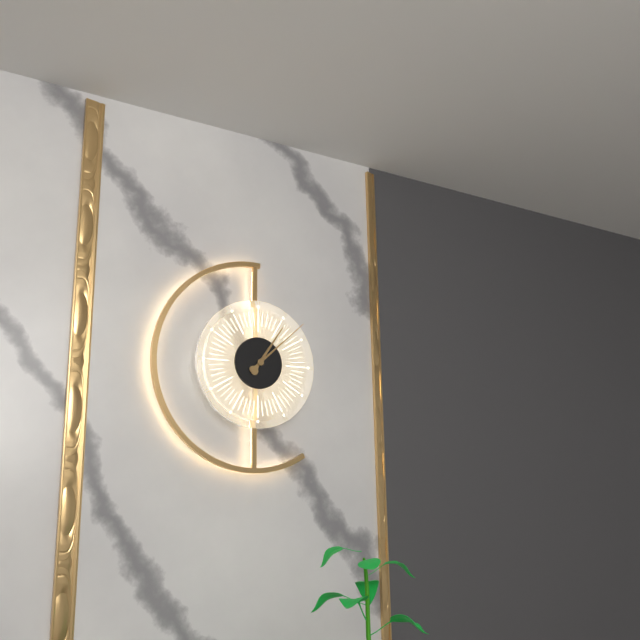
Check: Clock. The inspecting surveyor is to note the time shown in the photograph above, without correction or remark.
1:08
